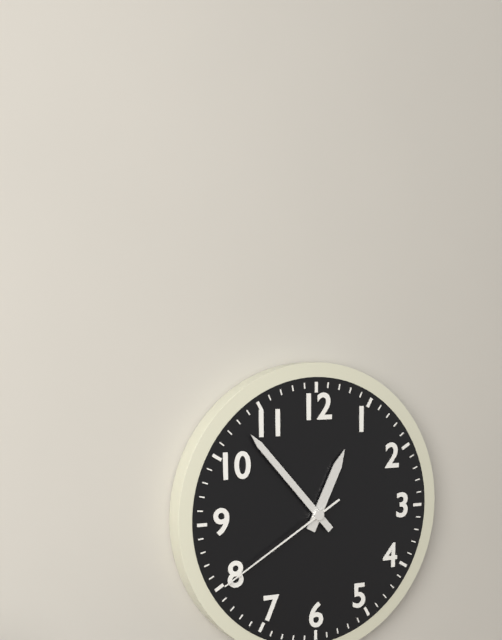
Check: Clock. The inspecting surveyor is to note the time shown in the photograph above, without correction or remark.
12:53:40
